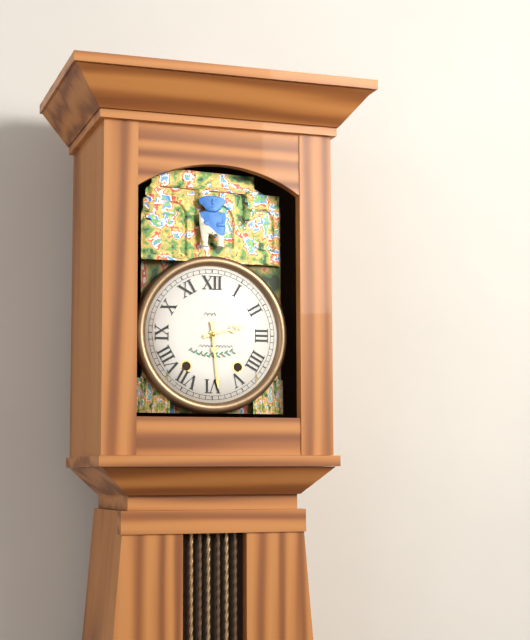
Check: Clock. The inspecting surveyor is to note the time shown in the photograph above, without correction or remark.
2:29
